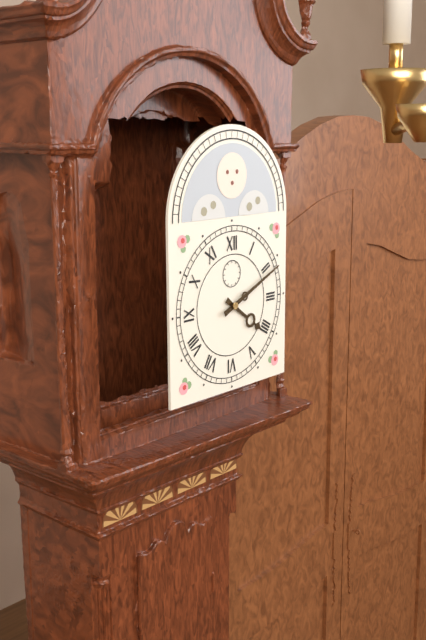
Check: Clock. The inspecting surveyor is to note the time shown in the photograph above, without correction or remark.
4:11
